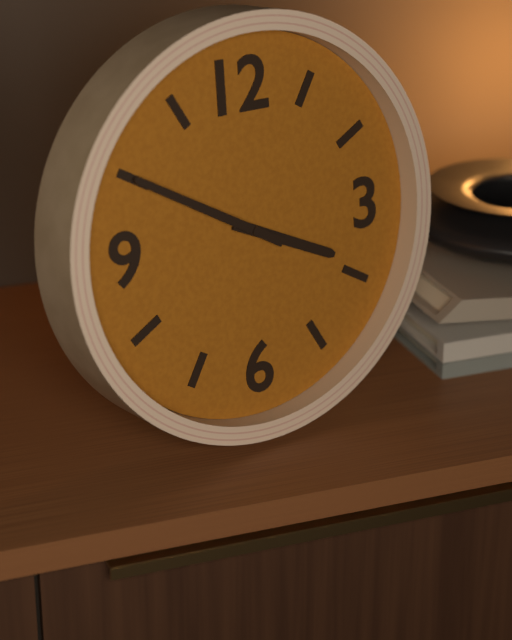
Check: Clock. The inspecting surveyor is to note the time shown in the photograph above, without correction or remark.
3:50
